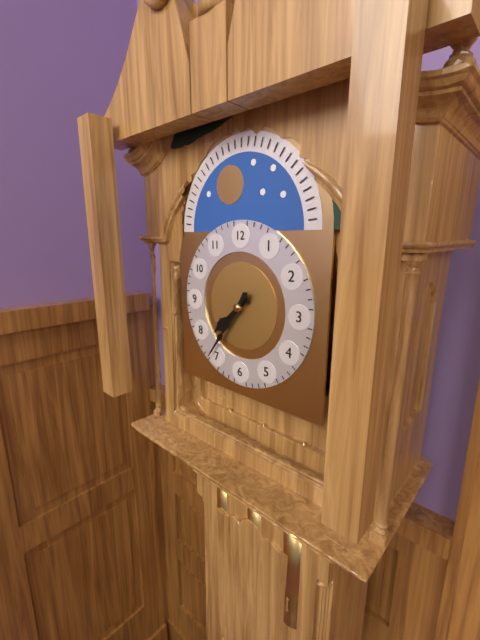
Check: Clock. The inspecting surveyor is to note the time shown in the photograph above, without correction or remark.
7:36
